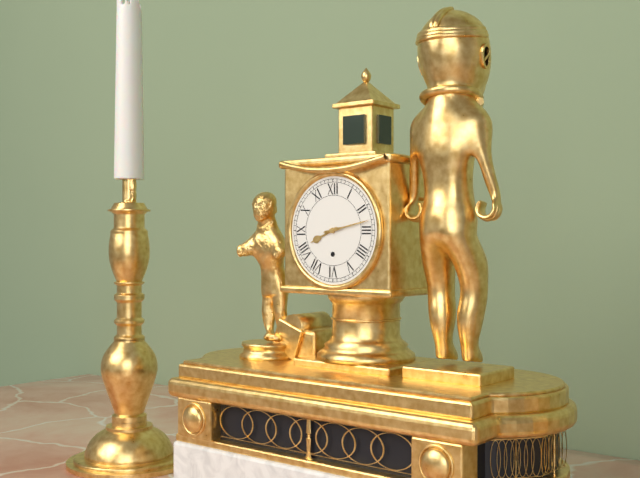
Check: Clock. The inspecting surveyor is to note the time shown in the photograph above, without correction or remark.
8:13
